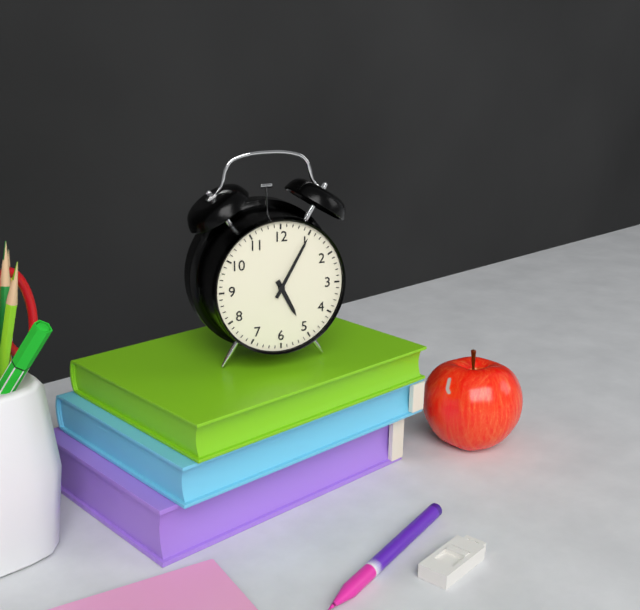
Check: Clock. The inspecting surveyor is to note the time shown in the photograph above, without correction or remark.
5:05
